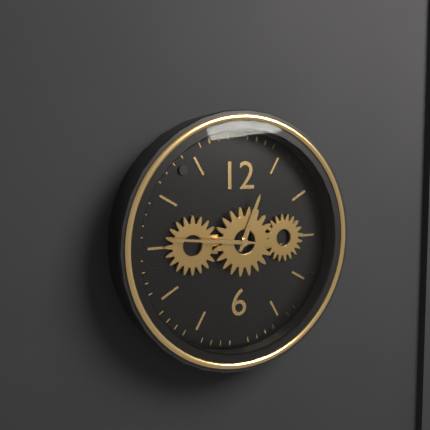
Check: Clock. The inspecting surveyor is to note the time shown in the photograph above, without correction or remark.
12:46
